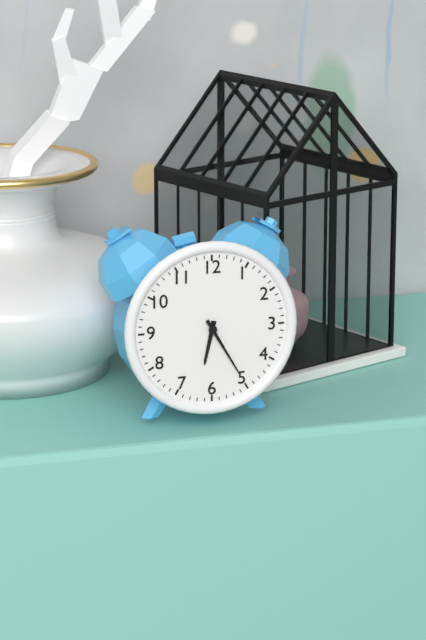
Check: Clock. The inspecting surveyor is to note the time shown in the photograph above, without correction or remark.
6:25
